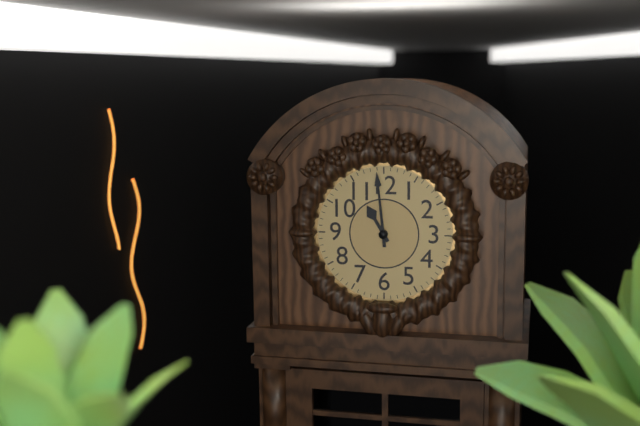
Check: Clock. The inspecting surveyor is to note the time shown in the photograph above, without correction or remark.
10:59
